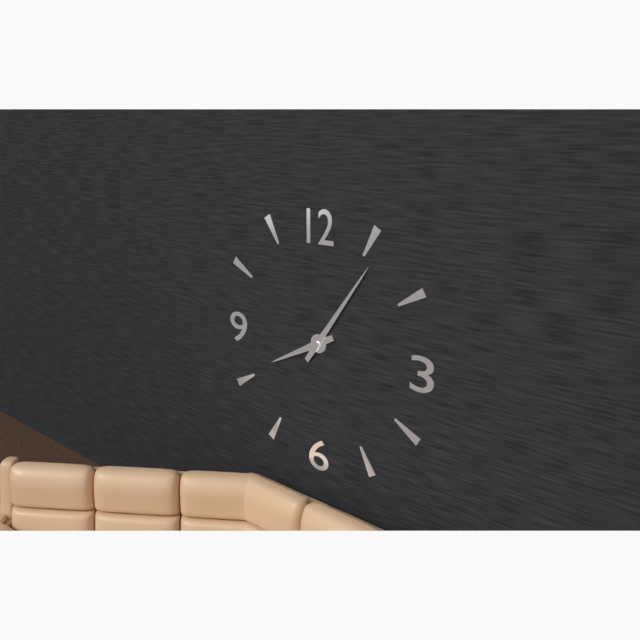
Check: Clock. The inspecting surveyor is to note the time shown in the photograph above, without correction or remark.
8:06
